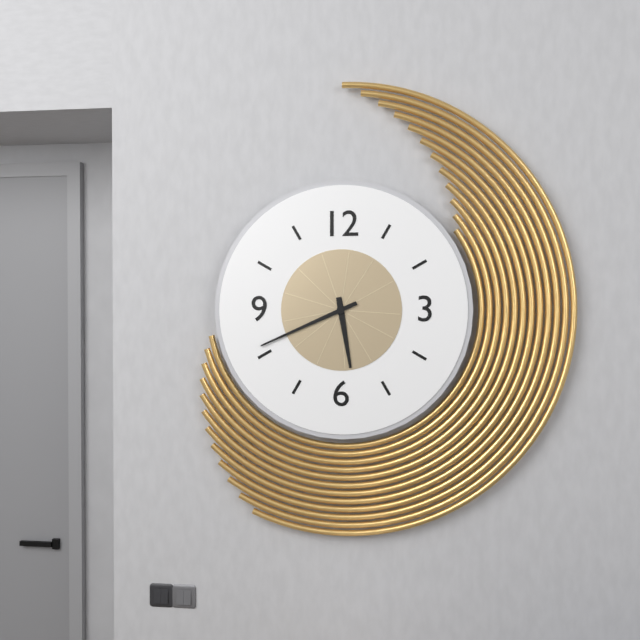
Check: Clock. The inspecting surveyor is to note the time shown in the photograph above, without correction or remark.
5:41
